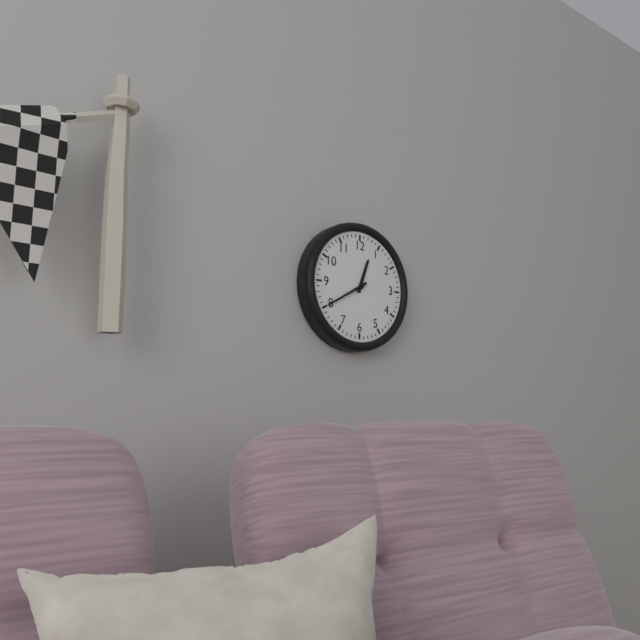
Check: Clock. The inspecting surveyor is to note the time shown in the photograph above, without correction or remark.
12:40
